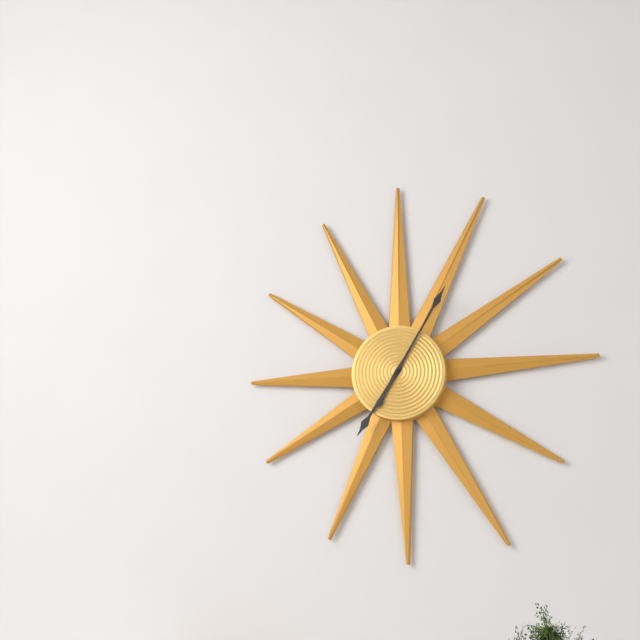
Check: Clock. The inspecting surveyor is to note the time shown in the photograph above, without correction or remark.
7:05
